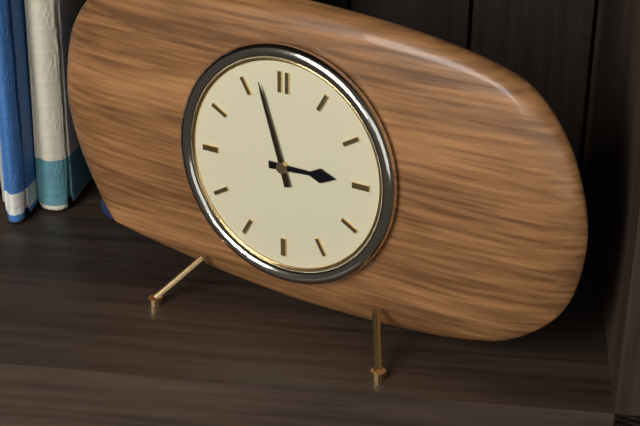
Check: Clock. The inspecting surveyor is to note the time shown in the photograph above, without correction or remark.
2:57
